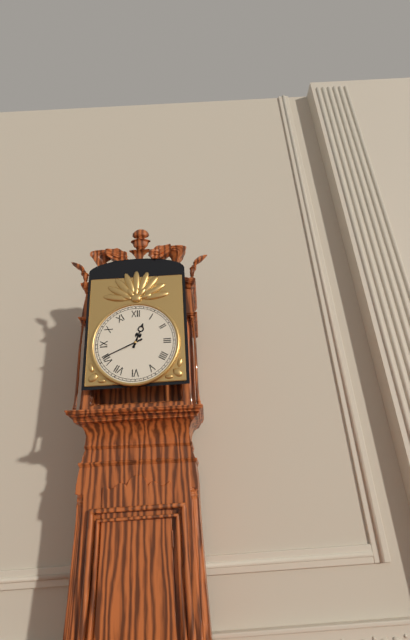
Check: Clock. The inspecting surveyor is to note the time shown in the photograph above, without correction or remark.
12:41
